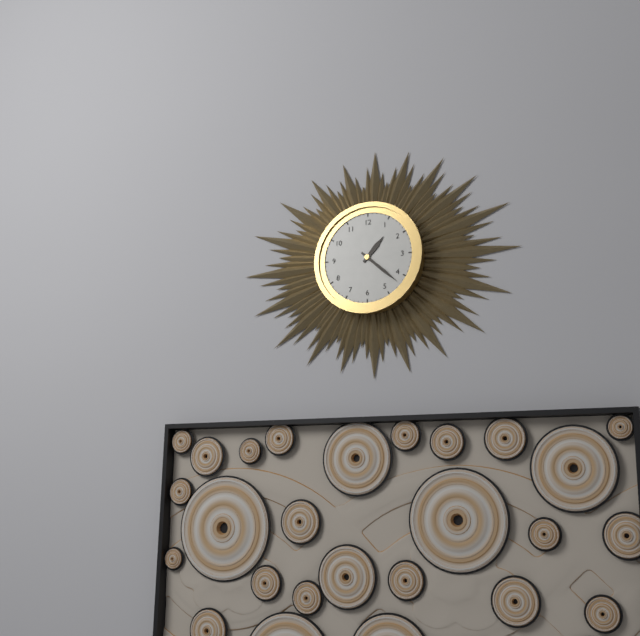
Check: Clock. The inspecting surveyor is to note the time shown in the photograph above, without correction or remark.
1:22
